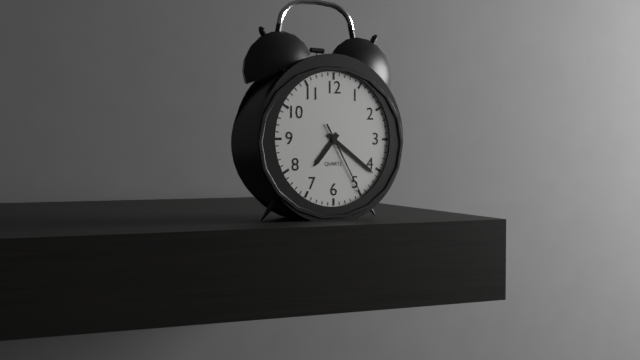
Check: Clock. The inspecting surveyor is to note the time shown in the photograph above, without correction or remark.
7:21:25
